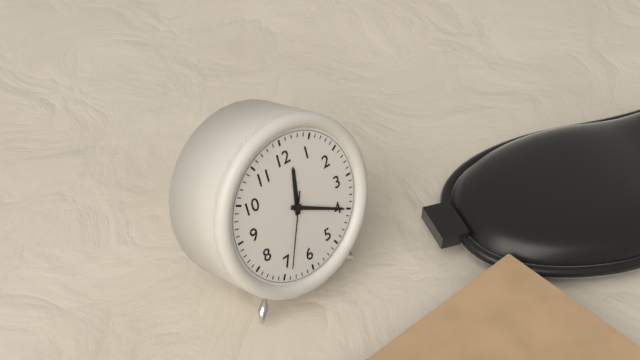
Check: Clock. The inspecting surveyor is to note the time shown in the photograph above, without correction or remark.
12:20:34
